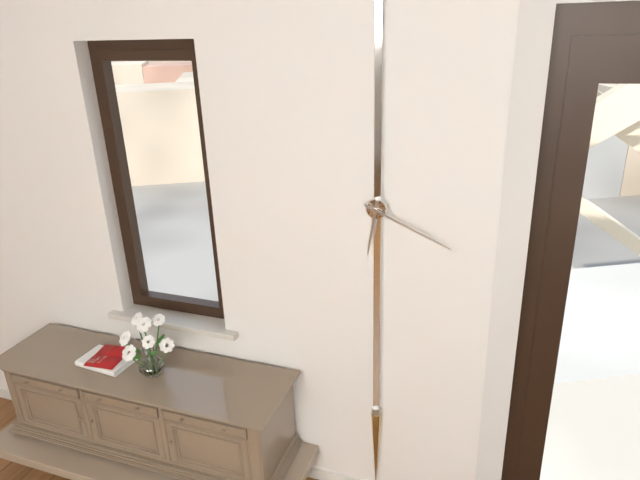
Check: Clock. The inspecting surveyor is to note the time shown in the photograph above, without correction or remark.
6:19
